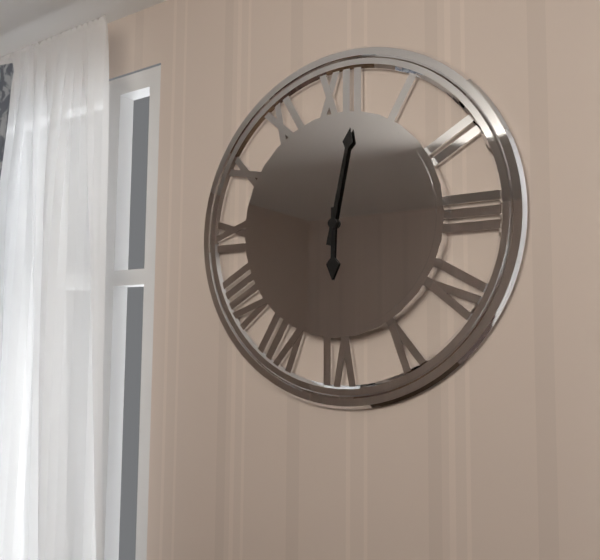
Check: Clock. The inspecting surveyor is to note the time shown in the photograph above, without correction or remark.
6:02
